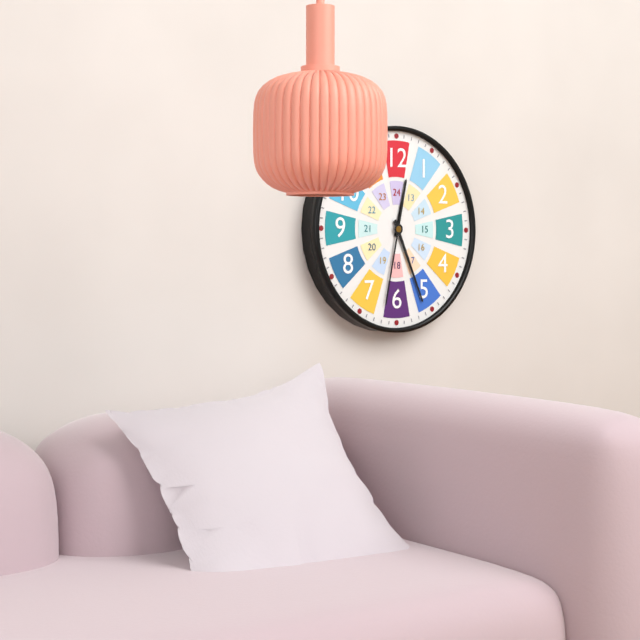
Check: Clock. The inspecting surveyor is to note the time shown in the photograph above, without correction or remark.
12:26:32
